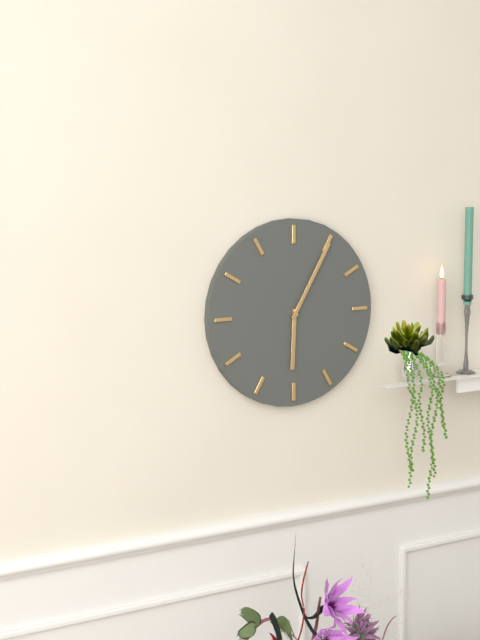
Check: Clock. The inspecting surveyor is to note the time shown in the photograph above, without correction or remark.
6:05
